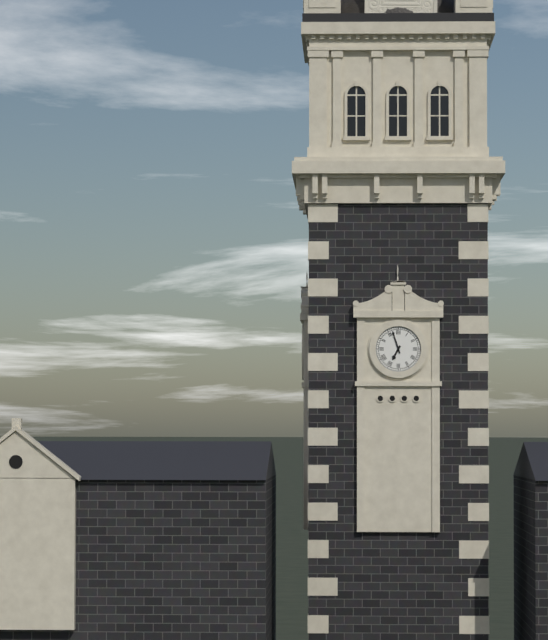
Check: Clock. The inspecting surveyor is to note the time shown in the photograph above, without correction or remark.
6:57
